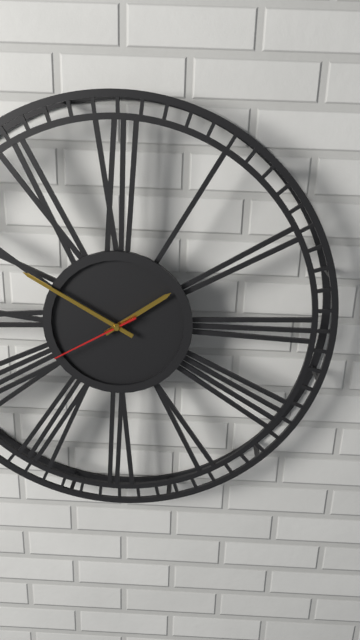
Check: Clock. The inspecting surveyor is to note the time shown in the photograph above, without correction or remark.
1:50:40
